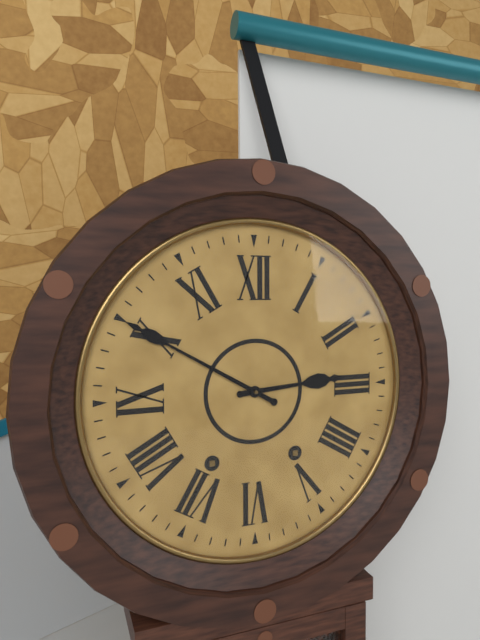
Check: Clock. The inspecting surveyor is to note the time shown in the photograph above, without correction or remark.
2:50
